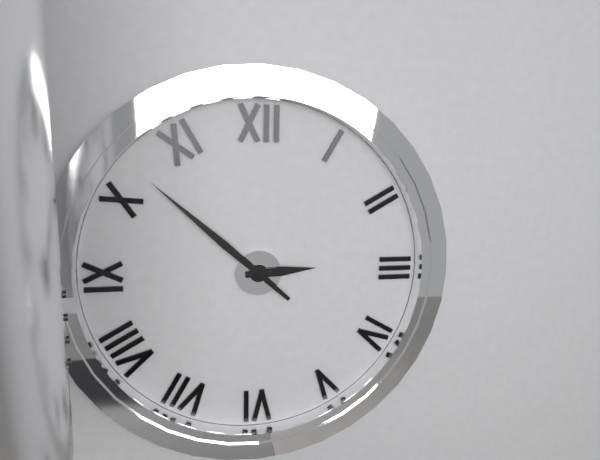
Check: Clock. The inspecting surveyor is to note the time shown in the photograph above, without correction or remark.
2:52
